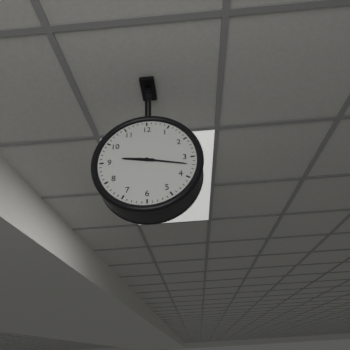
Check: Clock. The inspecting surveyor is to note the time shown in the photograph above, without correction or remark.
9:17
